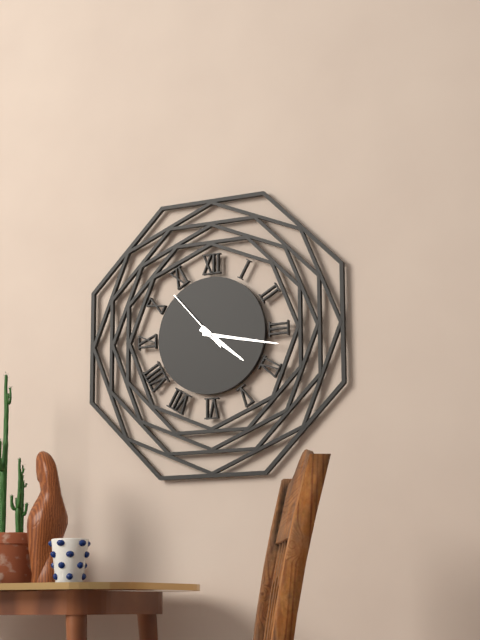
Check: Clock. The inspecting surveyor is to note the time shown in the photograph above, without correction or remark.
4:17:53
